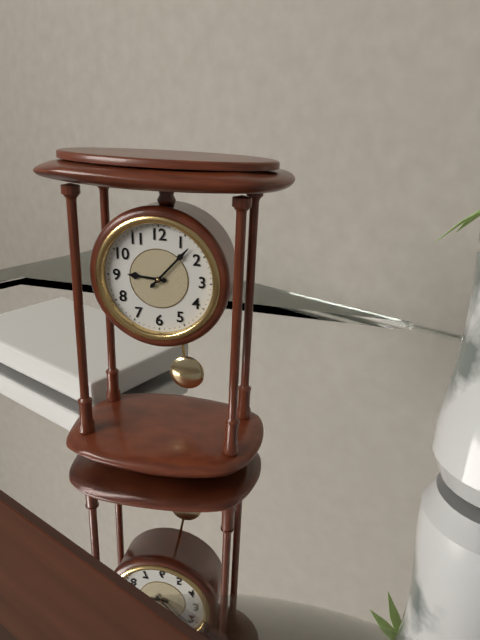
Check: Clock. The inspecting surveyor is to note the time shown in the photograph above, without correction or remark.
9:07
